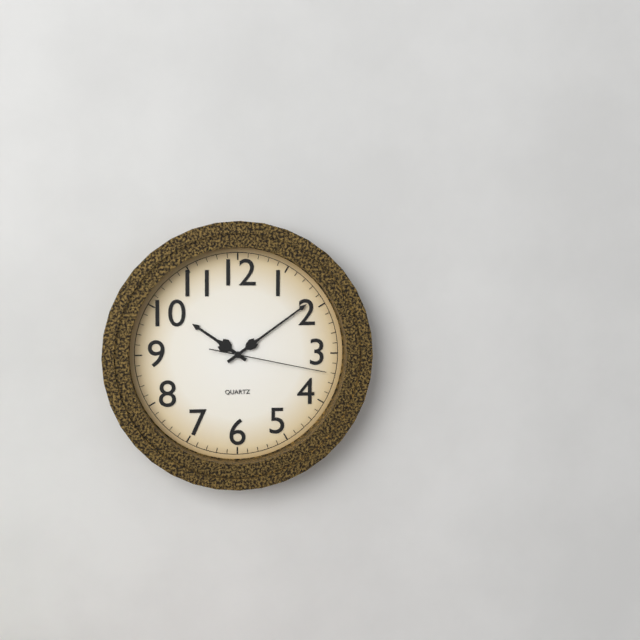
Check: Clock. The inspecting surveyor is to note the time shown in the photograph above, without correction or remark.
10:09:17
